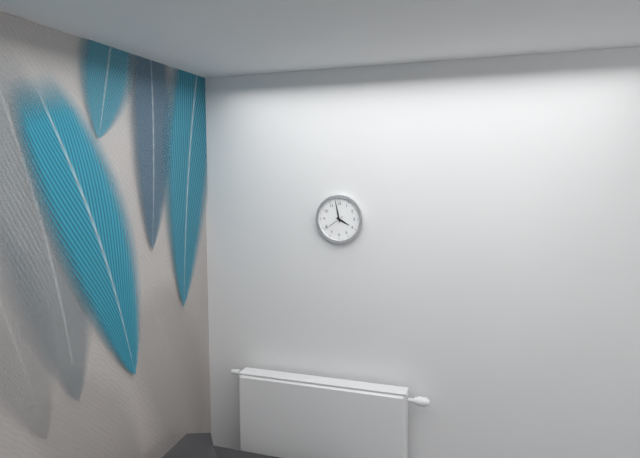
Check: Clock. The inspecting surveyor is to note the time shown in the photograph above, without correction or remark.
3:58
